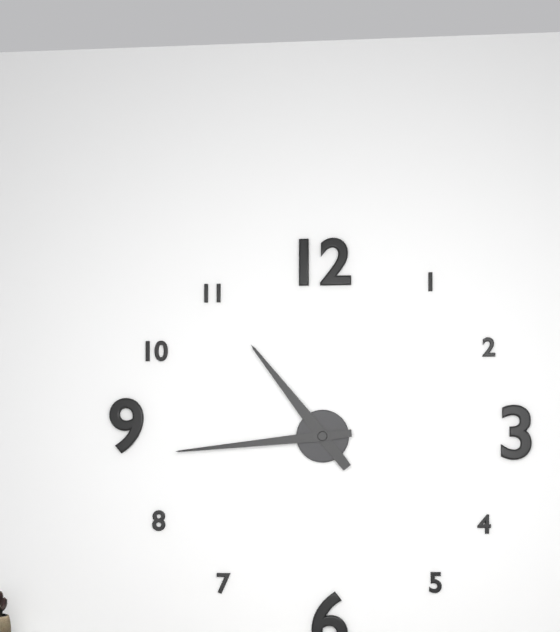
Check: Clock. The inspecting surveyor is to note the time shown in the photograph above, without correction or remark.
10:44
